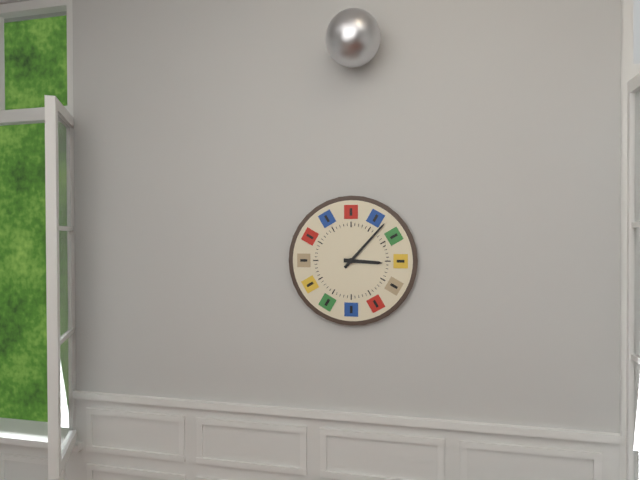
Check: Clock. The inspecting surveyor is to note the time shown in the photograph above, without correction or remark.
3:07
